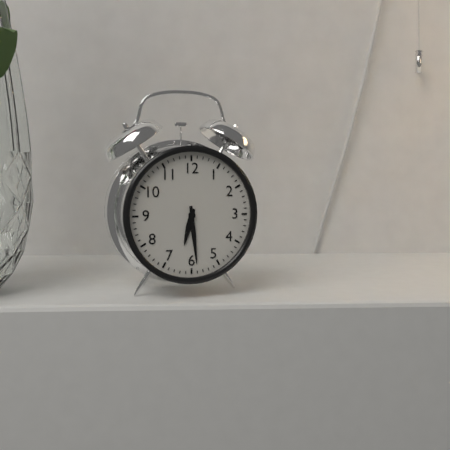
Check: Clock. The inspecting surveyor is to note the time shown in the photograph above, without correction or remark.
6:29
